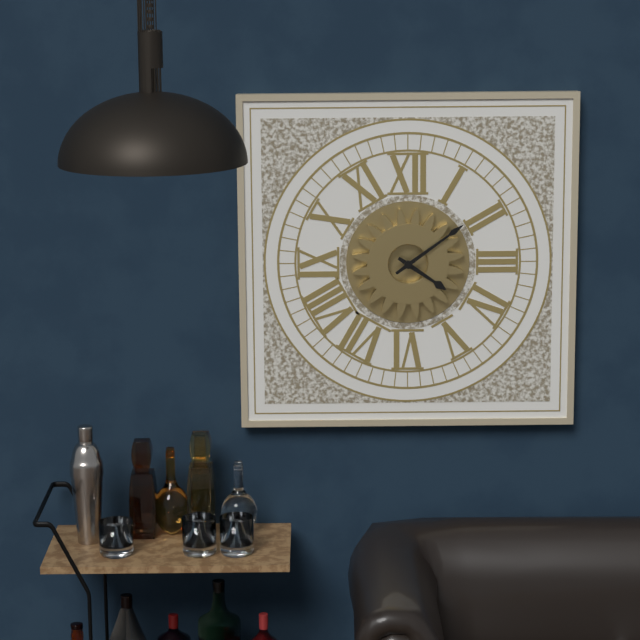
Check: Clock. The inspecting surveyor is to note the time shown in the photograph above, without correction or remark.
4:09
